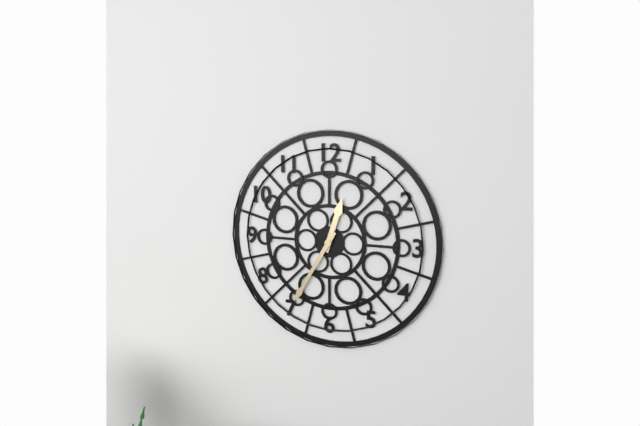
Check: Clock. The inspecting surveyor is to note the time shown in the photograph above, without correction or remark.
12:35
